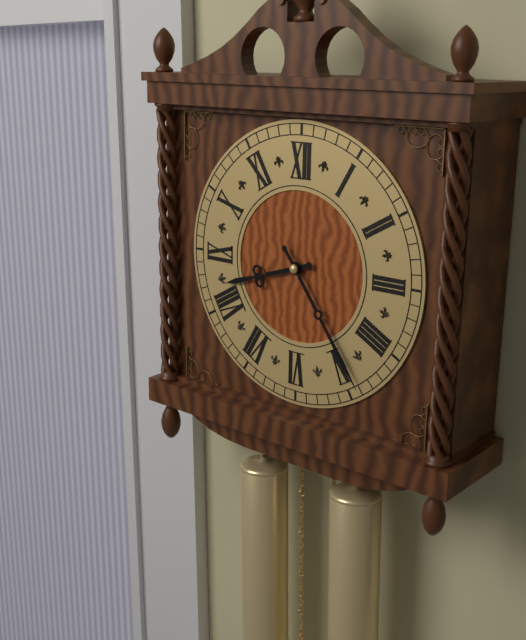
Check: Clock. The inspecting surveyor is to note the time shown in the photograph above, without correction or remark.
8:24
